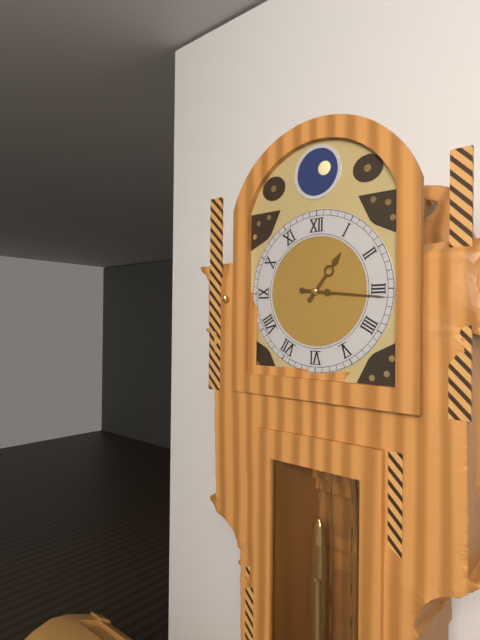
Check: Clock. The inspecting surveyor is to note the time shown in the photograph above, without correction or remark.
1:16
